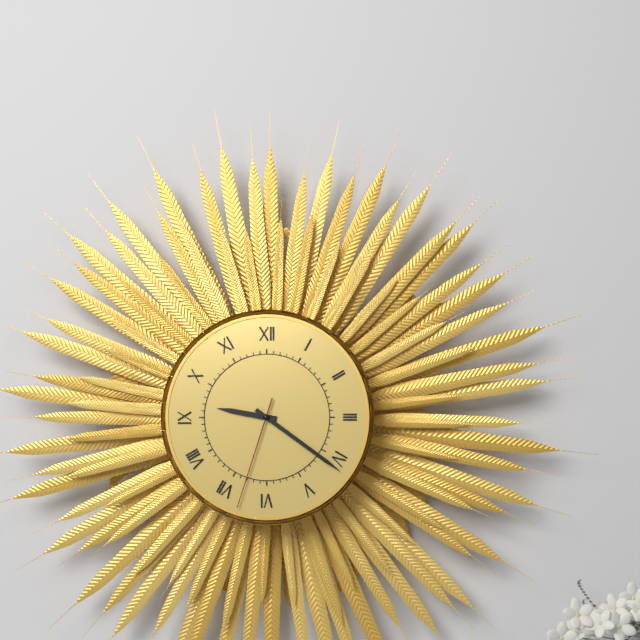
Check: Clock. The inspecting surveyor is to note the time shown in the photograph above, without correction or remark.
9:21:33
